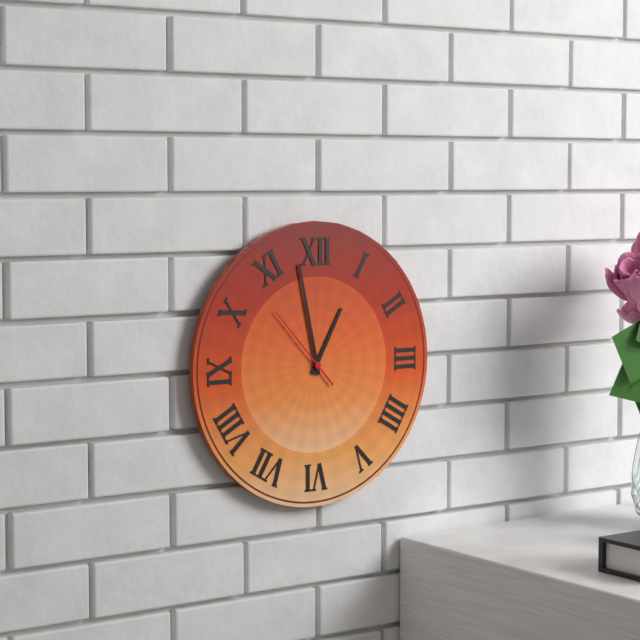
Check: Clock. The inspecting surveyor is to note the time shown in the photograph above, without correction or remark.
12:58:53
